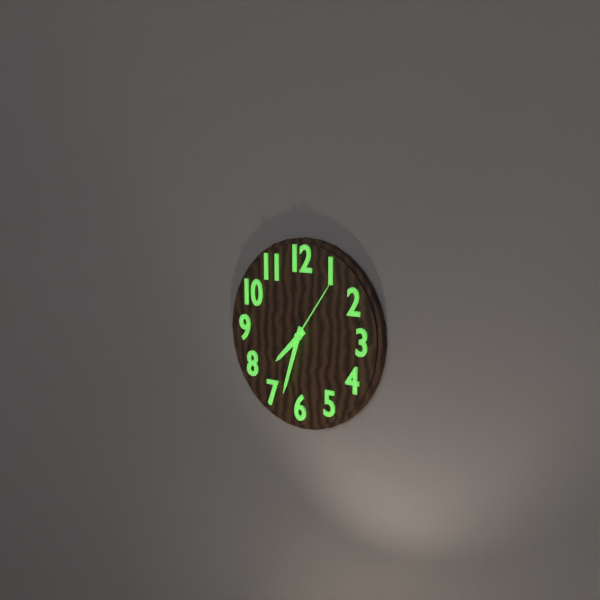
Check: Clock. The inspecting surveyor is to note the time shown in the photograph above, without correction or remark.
7:33:06
